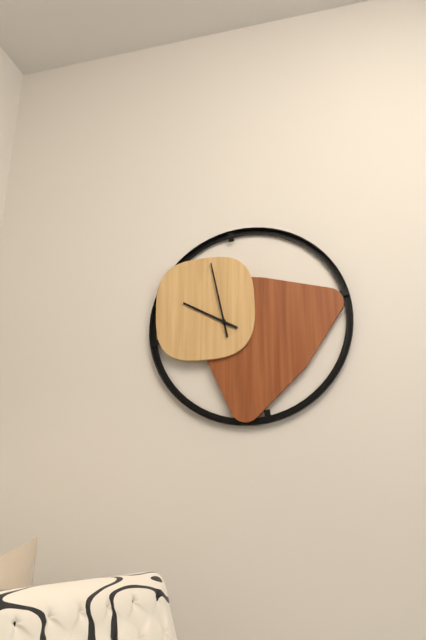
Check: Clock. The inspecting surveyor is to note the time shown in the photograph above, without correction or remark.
9:58
